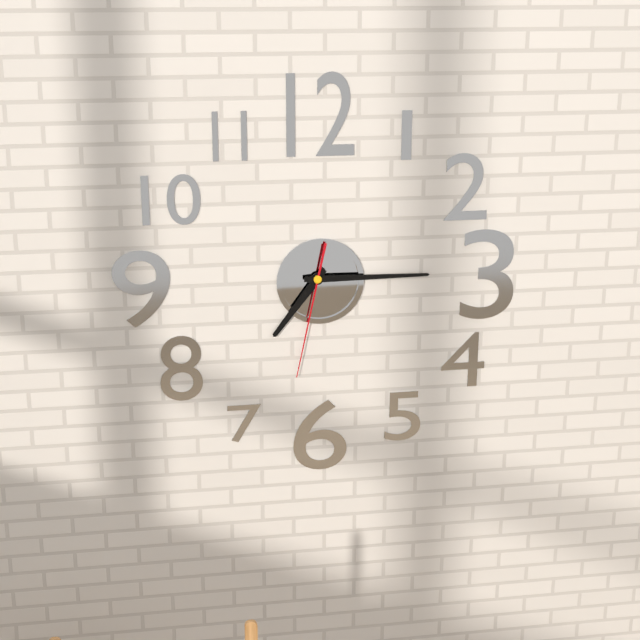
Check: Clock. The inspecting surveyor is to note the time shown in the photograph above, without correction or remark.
7:15:32
